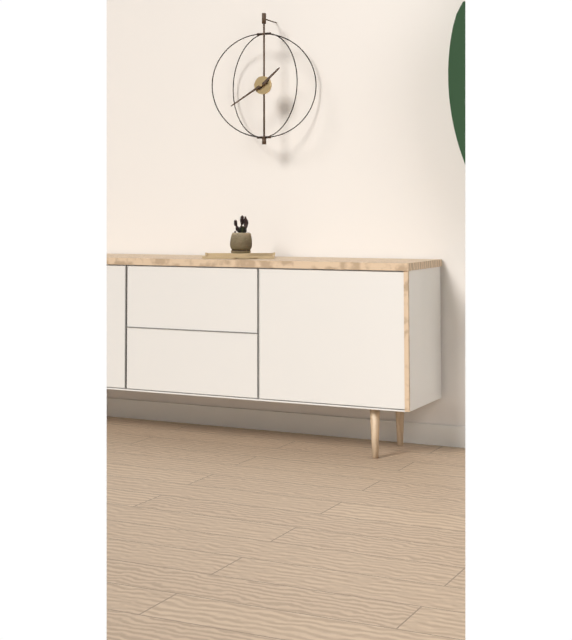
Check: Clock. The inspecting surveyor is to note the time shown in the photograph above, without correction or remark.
1:40
